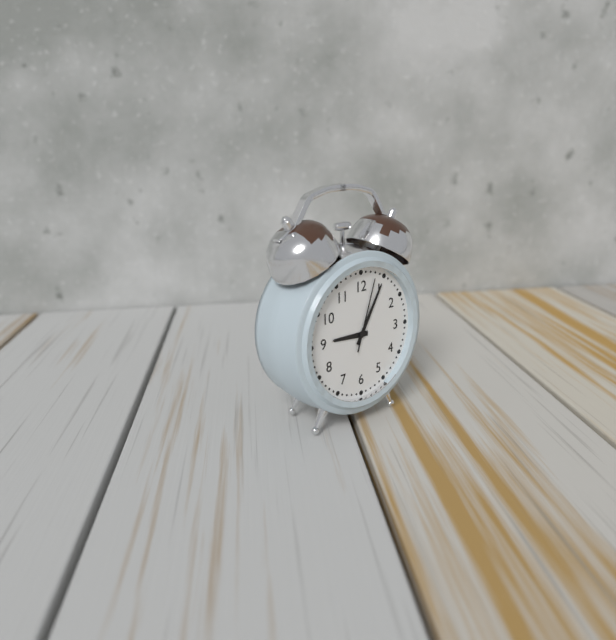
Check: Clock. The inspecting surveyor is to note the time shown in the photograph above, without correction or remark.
9:05:03
